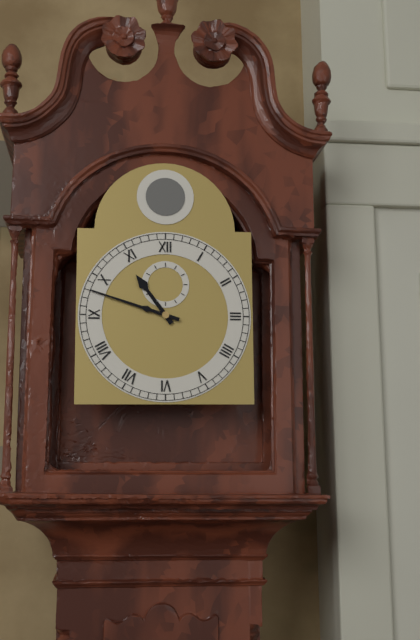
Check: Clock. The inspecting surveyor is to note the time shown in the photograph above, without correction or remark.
10:48
